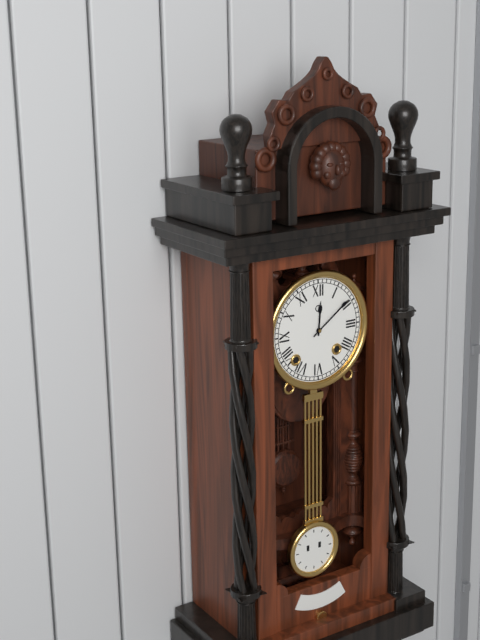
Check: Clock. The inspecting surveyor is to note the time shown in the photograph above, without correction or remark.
12:09
